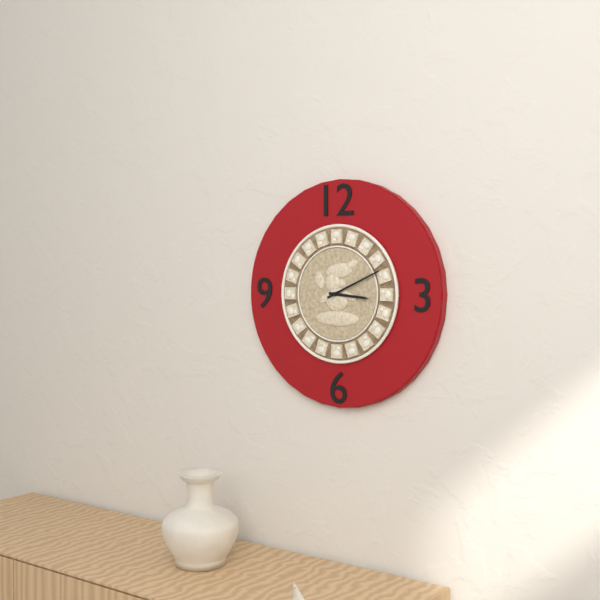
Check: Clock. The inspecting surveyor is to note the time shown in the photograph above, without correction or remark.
3:11
